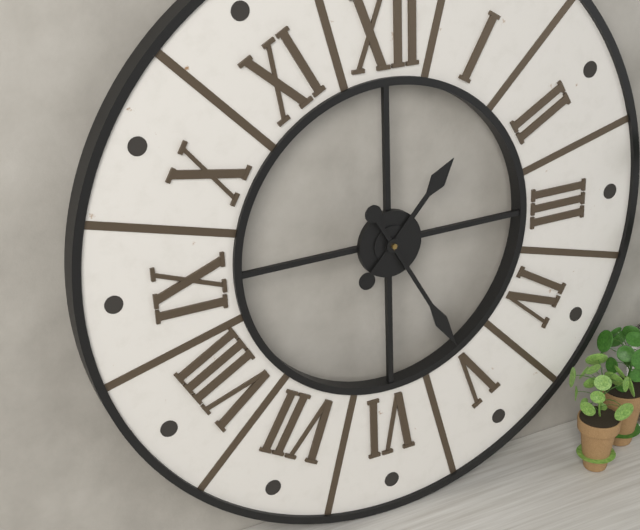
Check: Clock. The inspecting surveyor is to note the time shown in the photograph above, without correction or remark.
1:25
